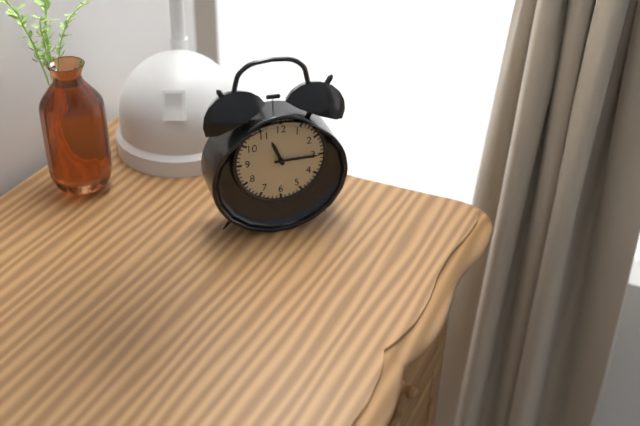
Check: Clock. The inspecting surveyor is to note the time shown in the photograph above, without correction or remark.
11:15
